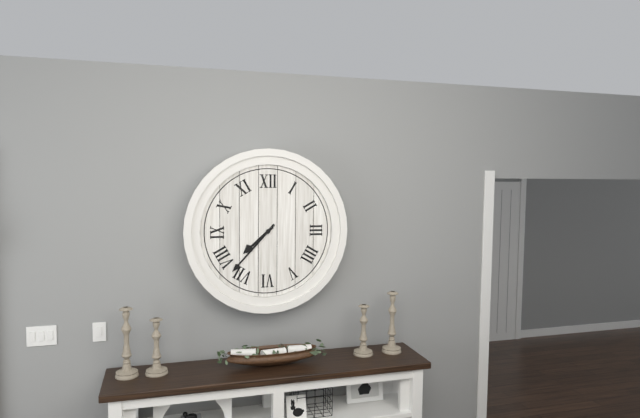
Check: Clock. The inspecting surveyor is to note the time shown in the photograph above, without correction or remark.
7:37
